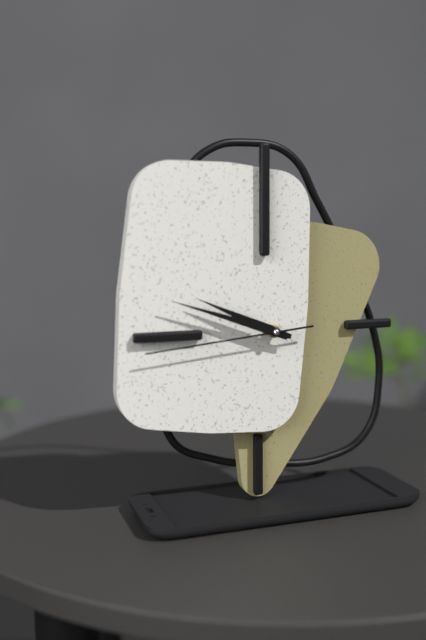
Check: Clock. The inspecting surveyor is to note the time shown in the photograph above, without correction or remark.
9:48:44
